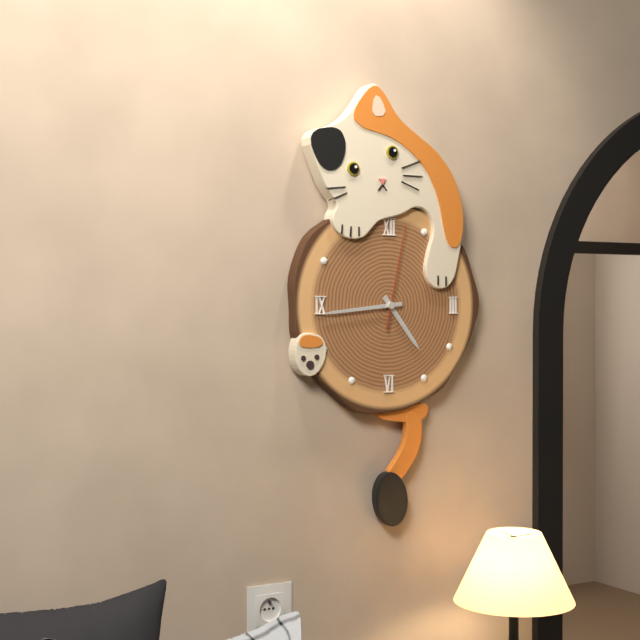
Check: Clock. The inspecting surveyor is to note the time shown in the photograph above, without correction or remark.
4:44:02
